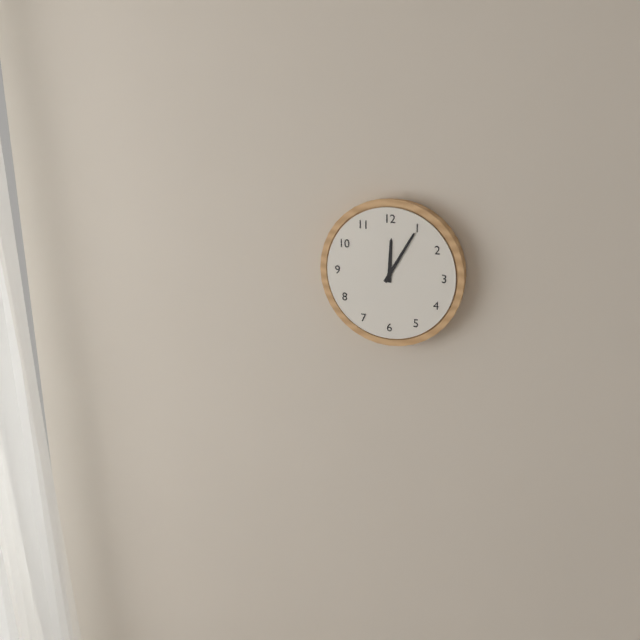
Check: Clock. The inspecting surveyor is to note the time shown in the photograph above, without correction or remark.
12:05
